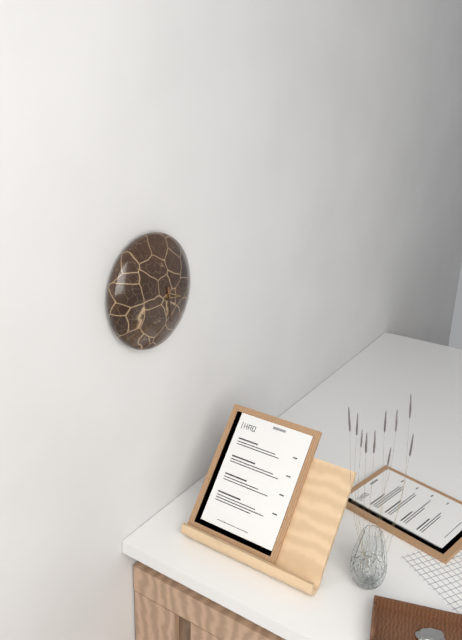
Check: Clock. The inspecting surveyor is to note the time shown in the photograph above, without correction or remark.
3:29
